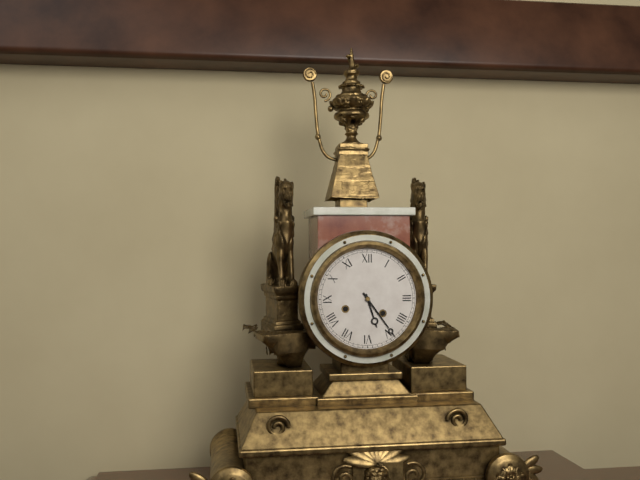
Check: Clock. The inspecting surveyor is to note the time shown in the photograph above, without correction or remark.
5:24
